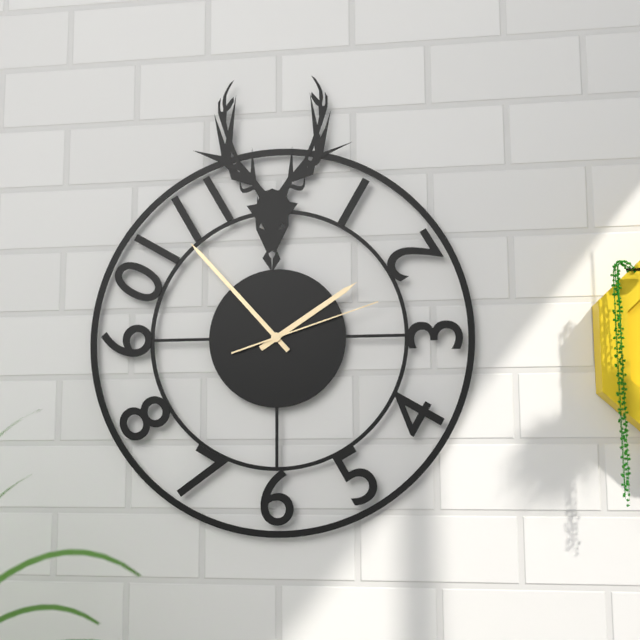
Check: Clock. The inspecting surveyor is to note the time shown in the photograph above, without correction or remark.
1:53:12
